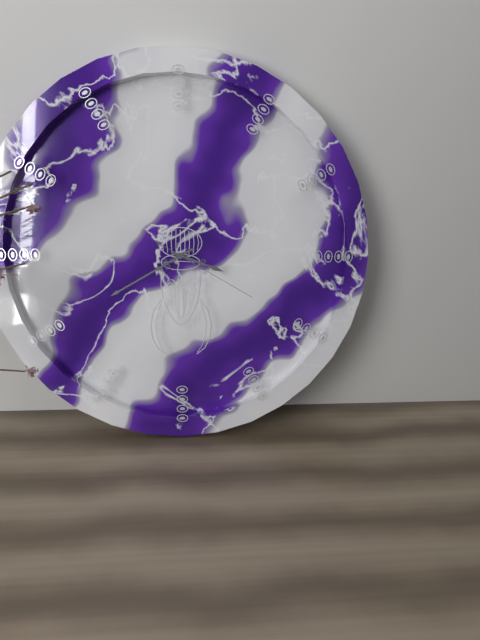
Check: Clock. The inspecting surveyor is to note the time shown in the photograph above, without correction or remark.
3:40:20
